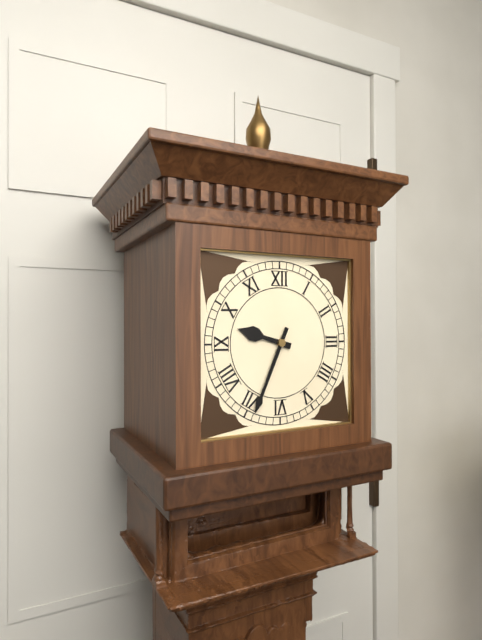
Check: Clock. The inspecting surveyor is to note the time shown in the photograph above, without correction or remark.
9:34
